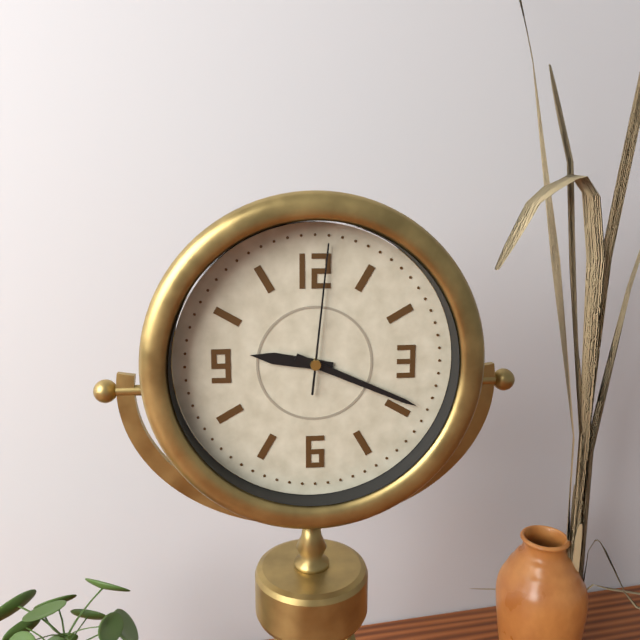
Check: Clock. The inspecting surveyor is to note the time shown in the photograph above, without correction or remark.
9:19:01
